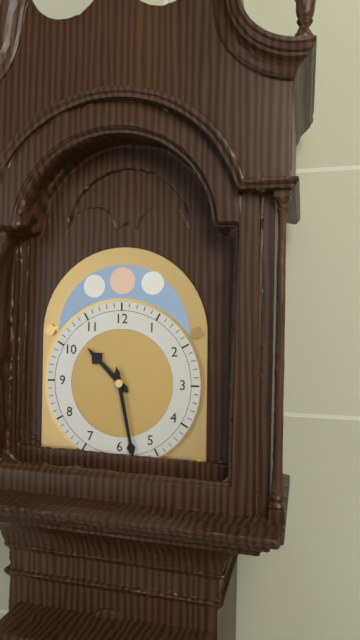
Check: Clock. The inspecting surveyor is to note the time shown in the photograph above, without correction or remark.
10:28
